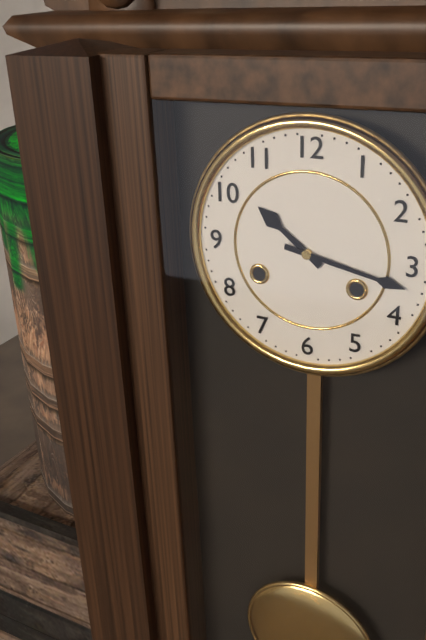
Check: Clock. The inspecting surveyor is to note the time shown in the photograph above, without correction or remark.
10:17
